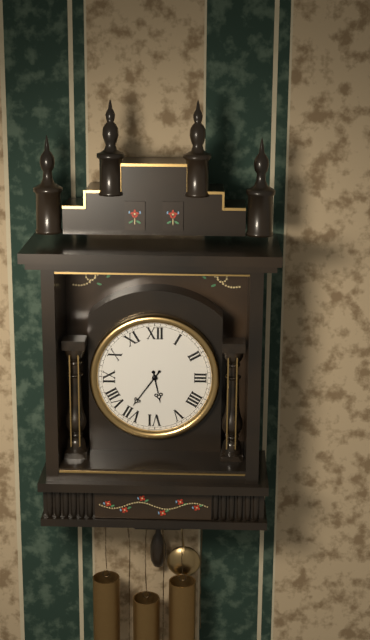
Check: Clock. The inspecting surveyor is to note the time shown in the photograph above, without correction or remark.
5:36
